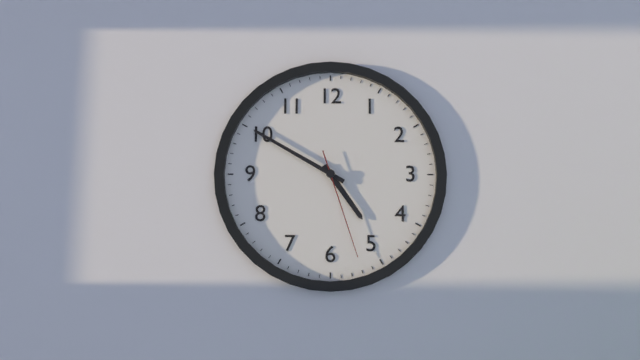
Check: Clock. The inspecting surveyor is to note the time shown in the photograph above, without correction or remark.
4:50:27
